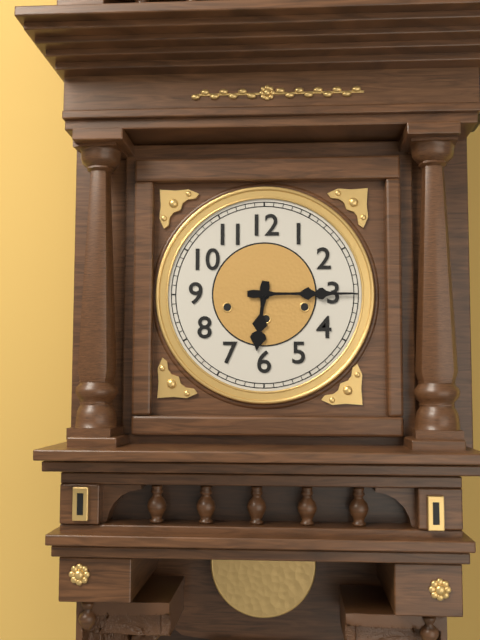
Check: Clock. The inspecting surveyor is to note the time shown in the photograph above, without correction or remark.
6:15
